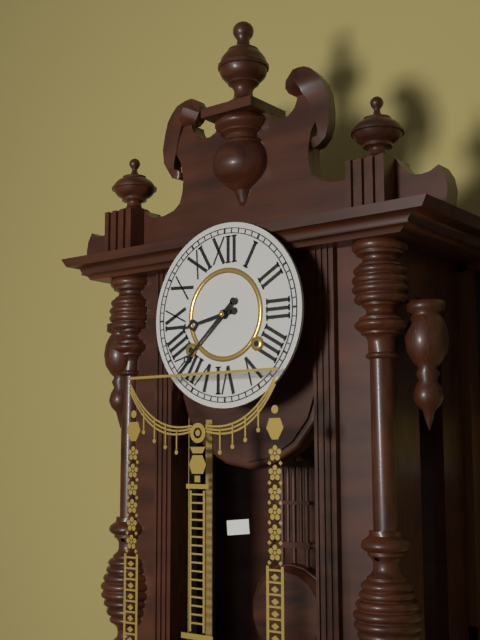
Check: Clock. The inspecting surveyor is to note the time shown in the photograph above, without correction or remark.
8:38
